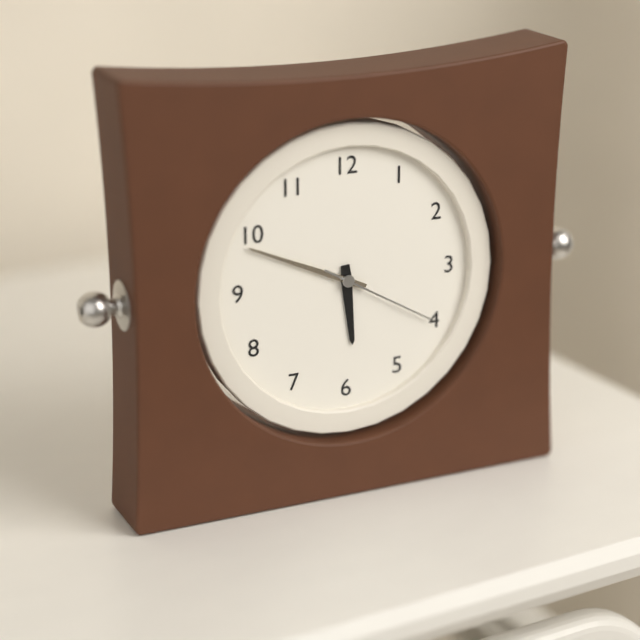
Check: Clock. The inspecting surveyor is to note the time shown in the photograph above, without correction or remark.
5:49:20
